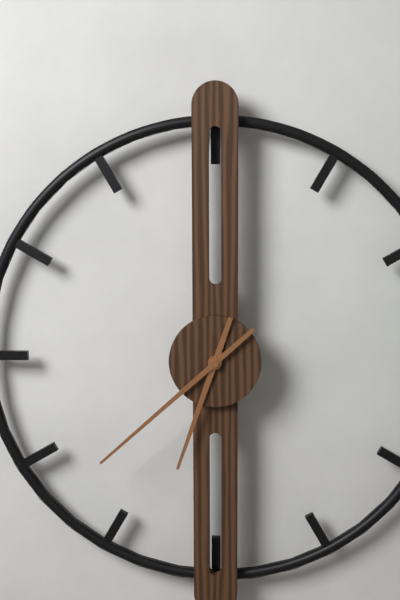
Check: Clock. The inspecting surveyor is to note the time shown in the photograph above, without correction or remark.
6:38
